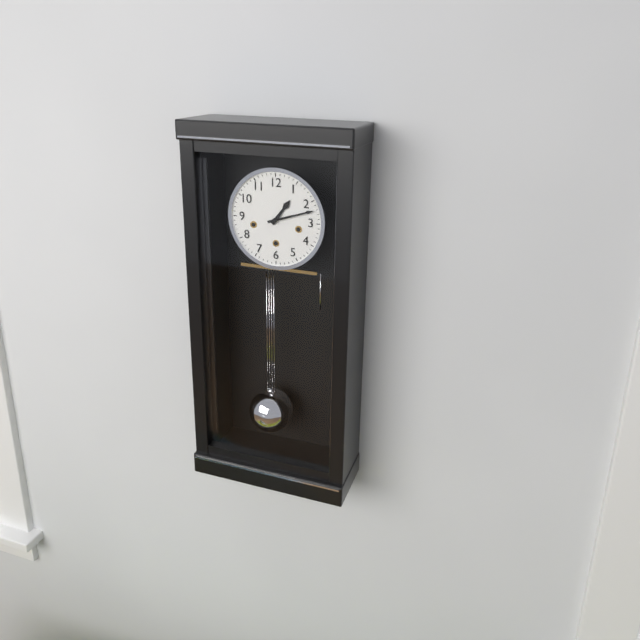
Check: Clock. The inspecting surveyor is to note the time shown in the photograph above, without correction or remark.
1:12
